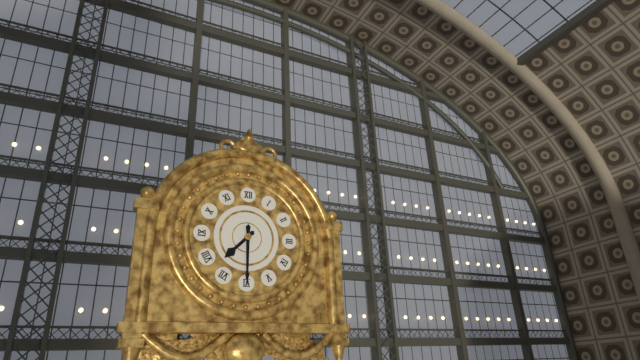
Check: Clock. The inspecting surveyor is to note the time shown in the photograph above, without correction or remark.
7:30
